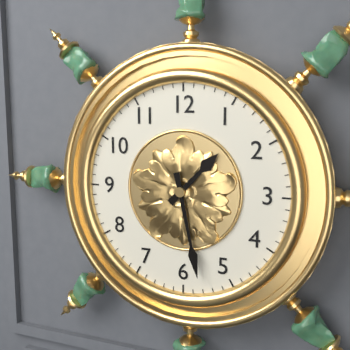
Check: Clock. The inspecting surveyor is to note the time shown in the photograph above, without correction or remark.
1:28
